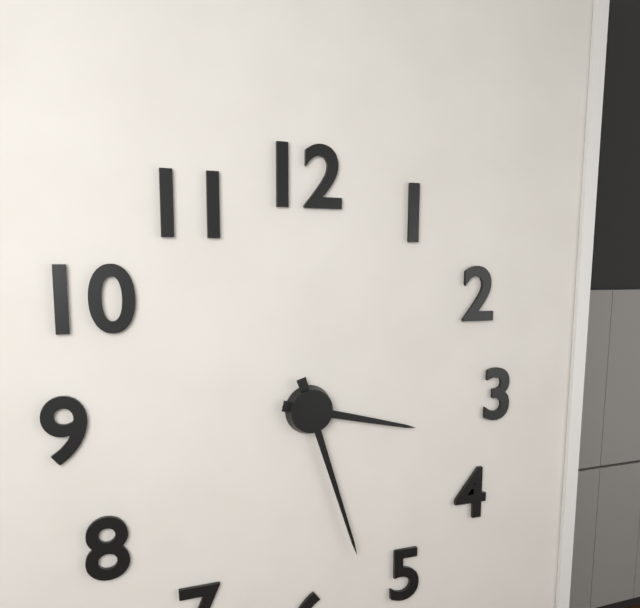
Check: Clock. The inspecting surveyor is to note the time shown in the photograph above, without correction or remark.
3:27
